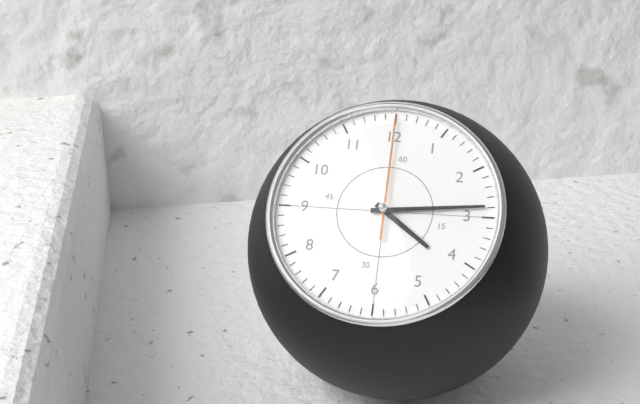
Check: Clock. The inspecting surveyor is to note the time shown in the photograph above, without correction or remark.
4:14:00
